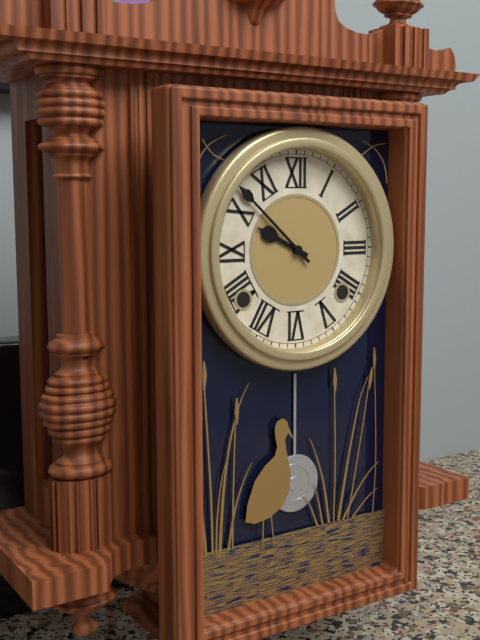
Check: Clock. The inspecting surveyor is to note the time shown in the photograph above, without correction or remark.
9:52
